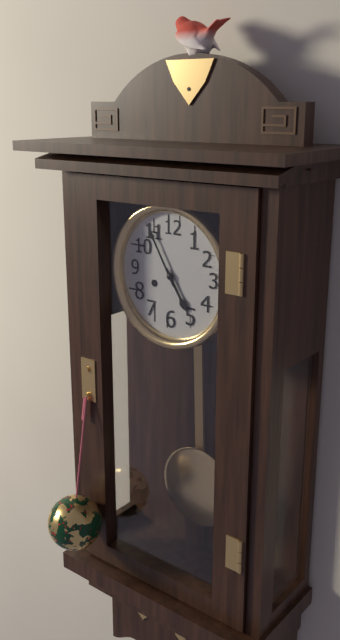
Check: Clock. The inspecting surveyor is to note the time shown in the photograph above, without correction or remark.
4:55
